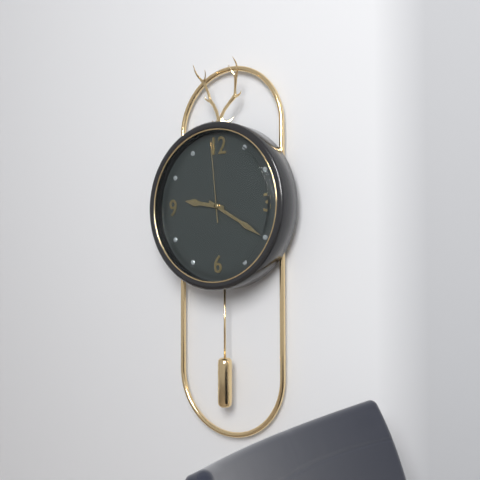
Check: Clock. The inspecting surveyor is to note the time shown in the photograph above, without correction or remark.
9:20:59
